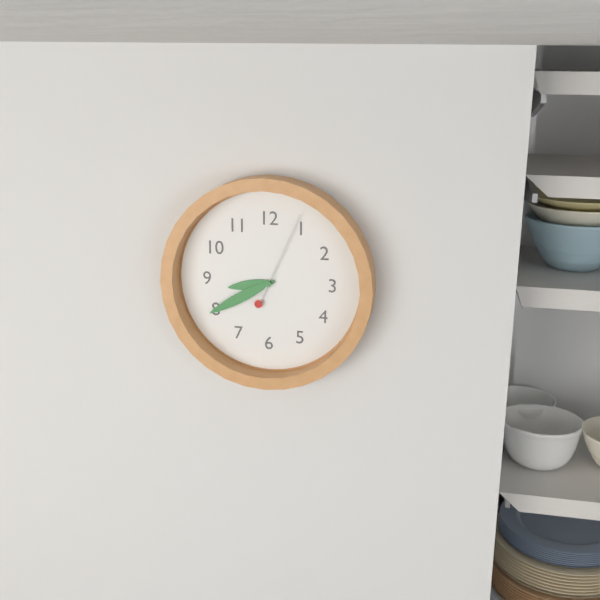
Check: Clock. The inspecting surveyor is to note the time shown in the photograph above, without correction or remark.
8:40:04
